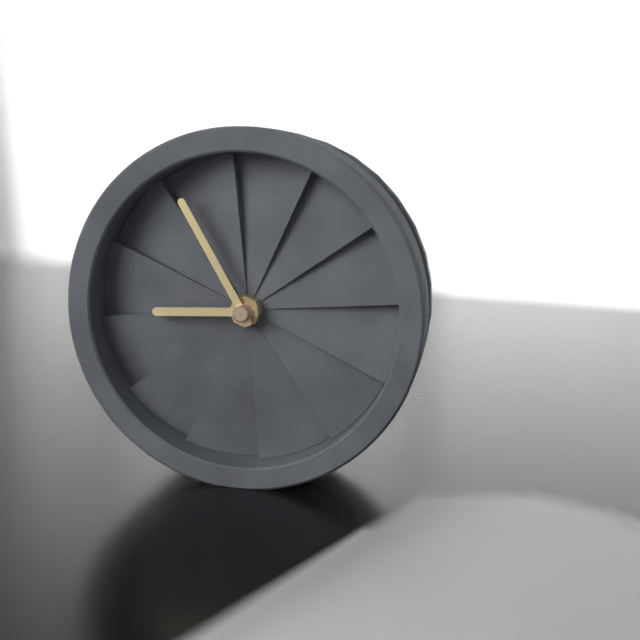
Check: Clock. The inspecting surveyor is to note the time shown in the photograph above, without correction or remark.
8:55
